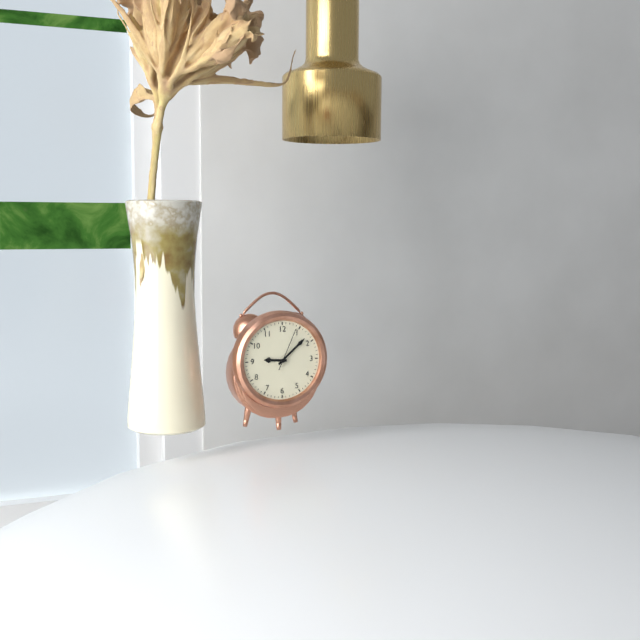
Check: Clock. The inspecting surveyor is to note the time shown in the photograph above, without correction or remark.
9:08
